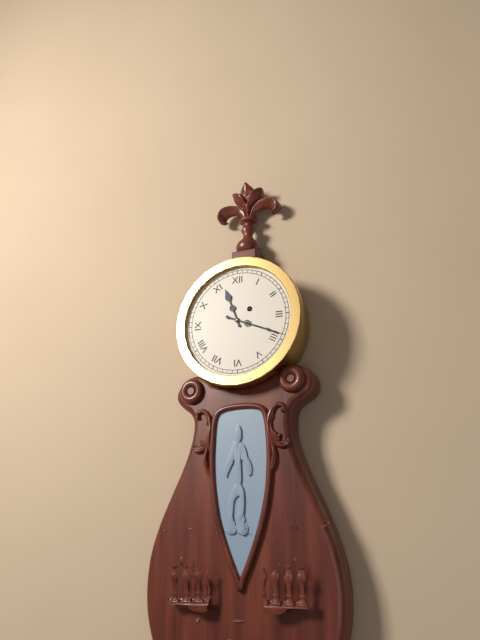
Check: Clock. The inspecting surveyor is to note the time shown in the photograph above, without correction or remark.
11:19
